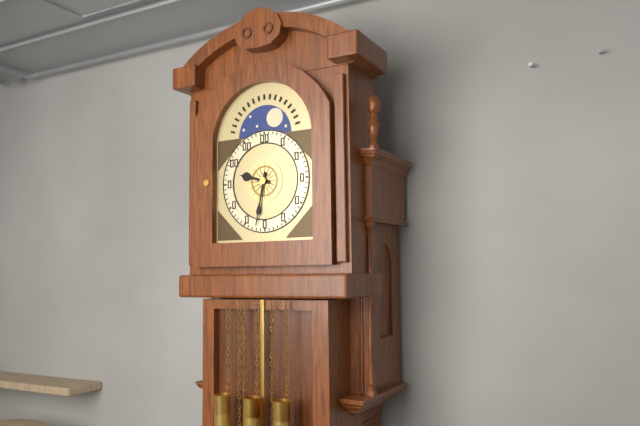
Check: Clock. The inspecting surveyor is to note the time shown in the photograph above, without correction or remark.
9:32
